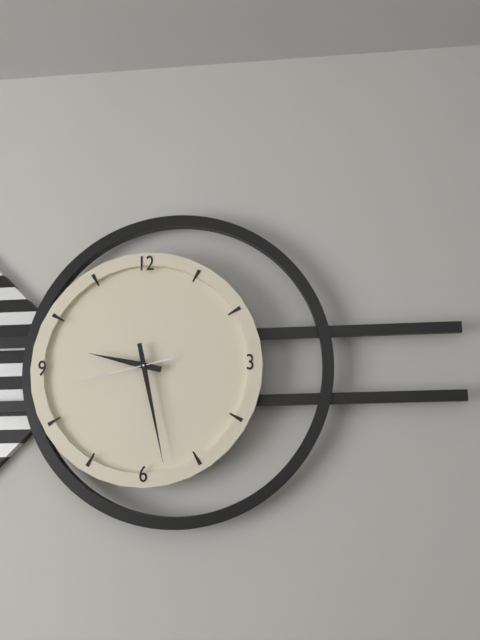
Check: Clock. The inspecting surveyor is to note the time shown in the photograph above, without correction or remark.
9:28:43
